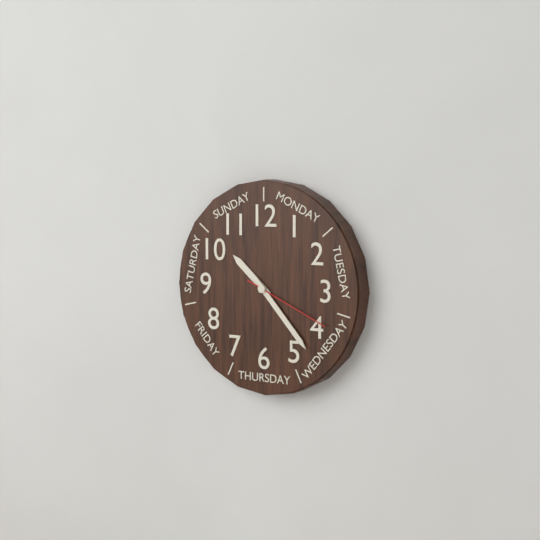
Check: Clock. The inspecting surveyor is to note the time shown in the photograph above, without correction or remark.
10:23:19
